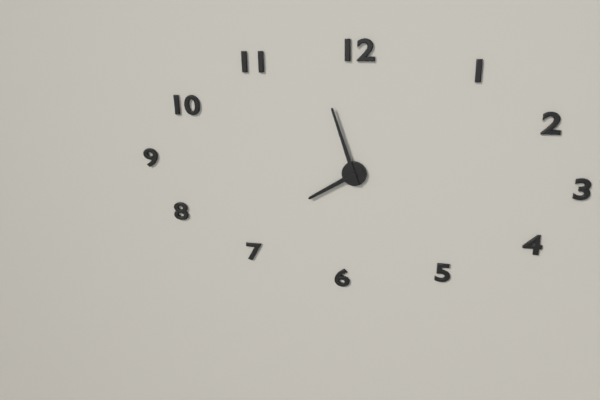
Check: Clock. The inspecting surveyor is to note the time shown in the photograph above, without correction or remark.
7:57
